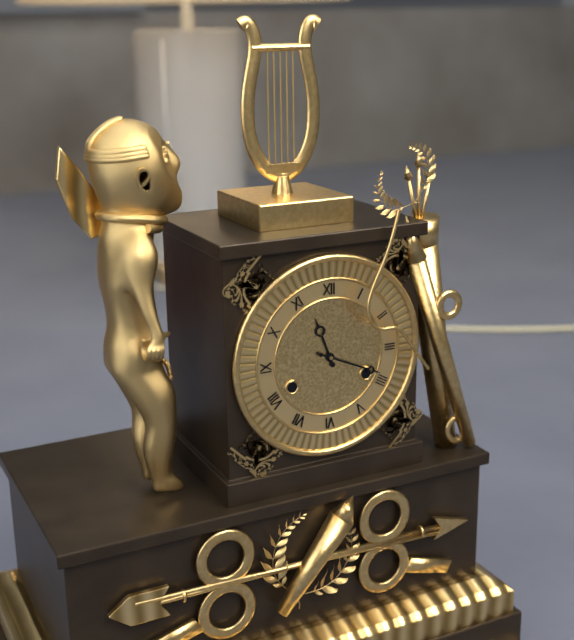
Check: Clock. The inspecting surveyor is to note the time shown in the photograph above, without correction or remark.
11:19
